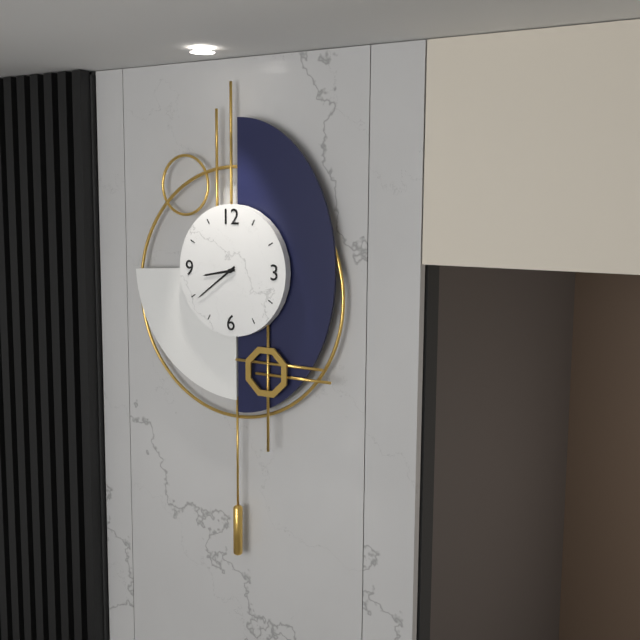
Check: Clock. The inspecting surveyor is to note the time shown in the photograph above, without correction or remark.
8:39
